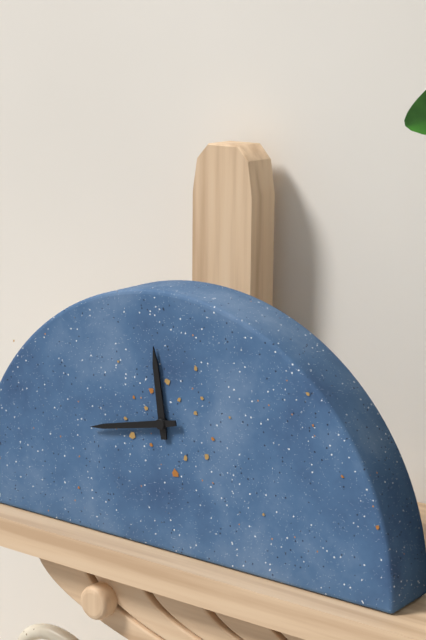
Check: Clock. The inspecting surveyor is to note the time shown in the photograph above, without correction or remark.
11:43
